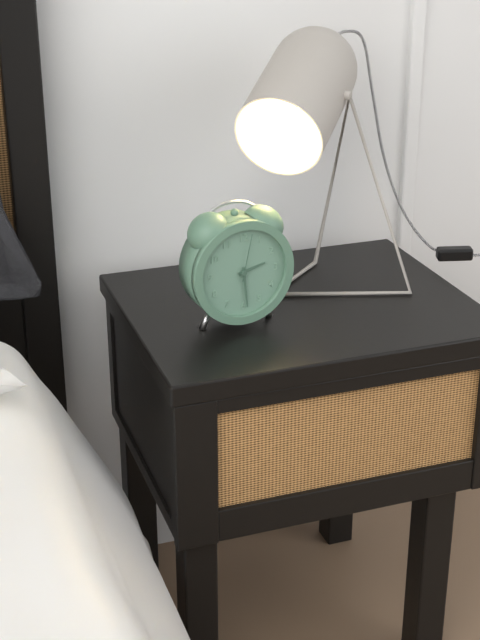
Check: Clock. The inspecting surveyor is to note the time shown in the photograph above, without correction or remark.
2:29:02
